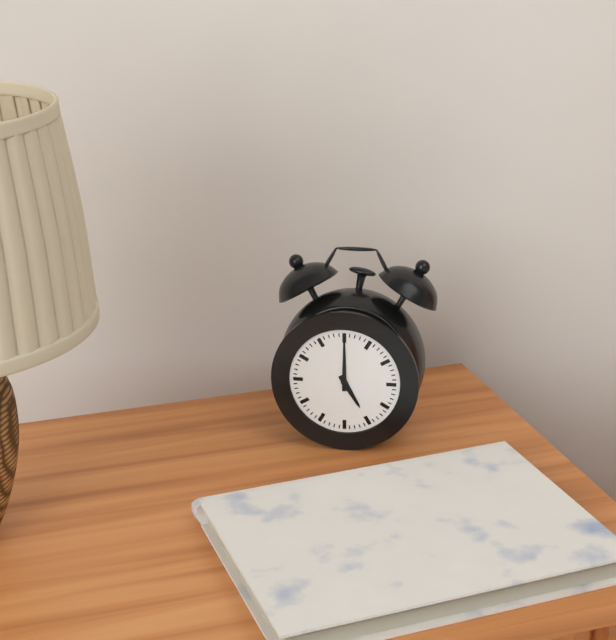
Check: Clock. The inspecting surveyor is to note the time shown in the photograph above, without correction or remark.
5:00
